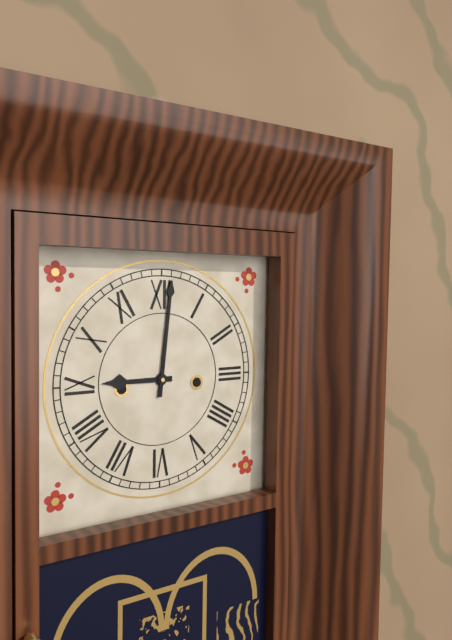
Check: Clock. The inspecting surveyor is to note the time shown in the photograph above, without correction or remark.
9:01
